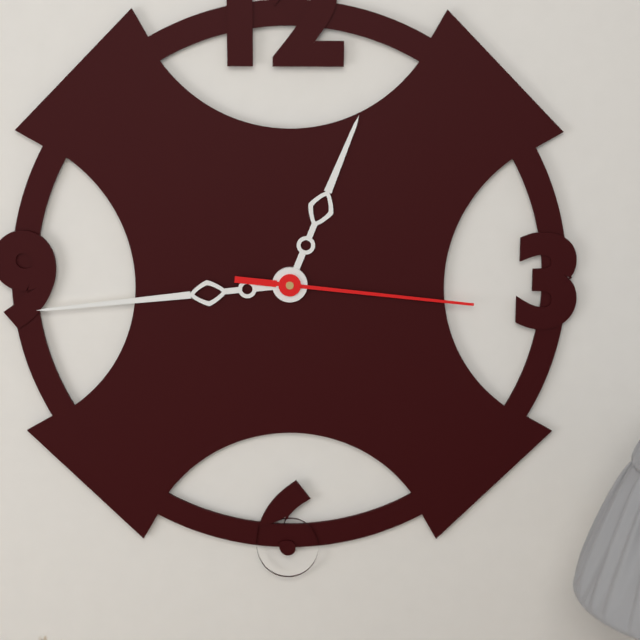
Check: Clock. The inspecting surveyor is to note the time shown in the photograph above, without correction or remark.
12:44:16
